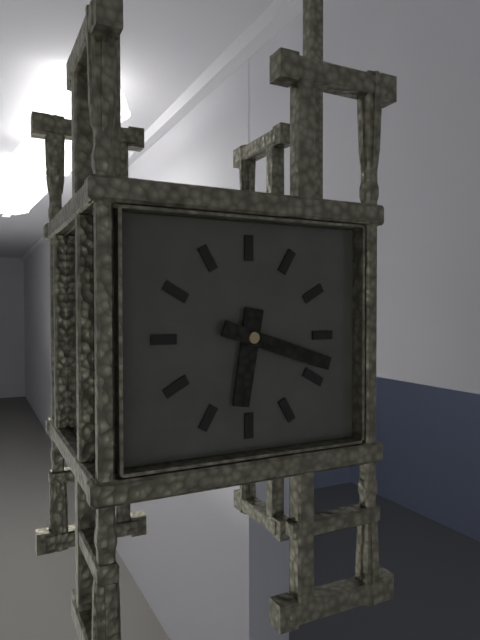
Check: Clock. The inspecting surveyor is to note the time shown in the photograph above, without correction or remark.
6:18
